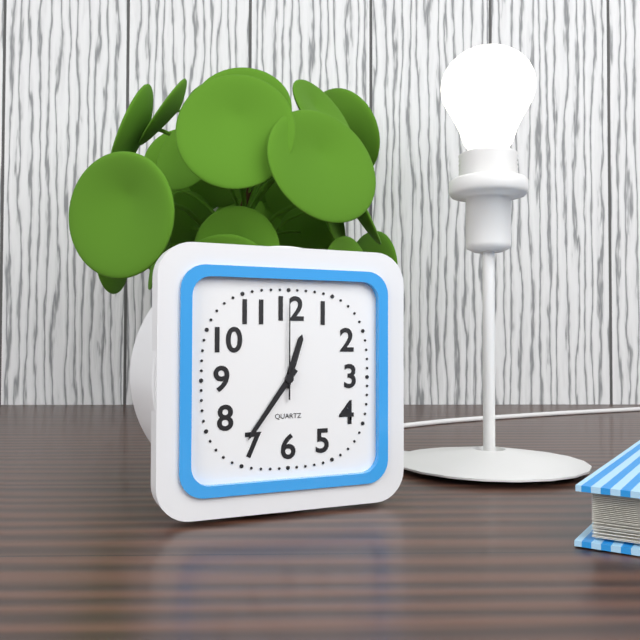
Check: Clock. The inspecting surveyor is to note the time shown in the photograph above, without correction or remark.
12:36:00
